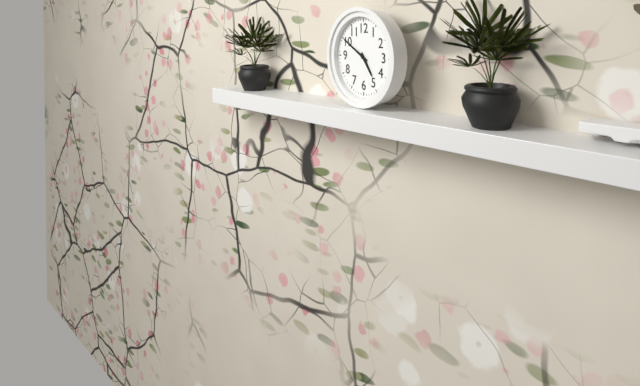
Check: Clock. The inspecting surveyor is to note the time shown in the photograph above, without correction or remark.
4:50
